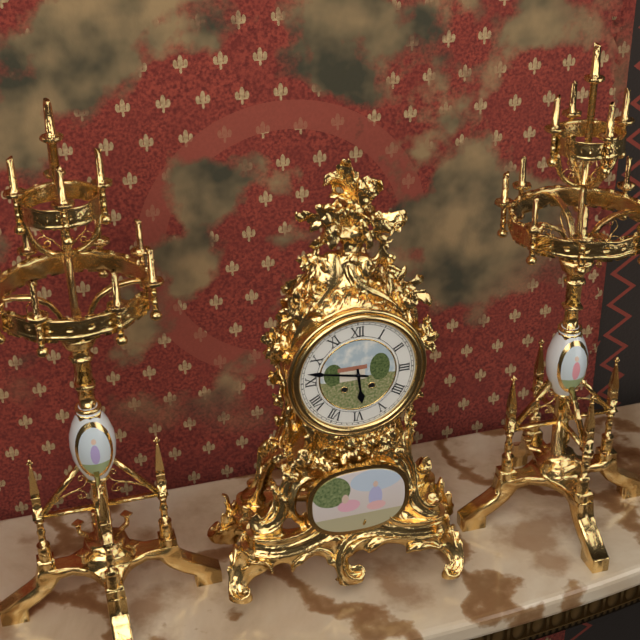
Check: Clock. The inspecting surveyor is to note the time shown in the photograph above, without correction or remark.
5:47
